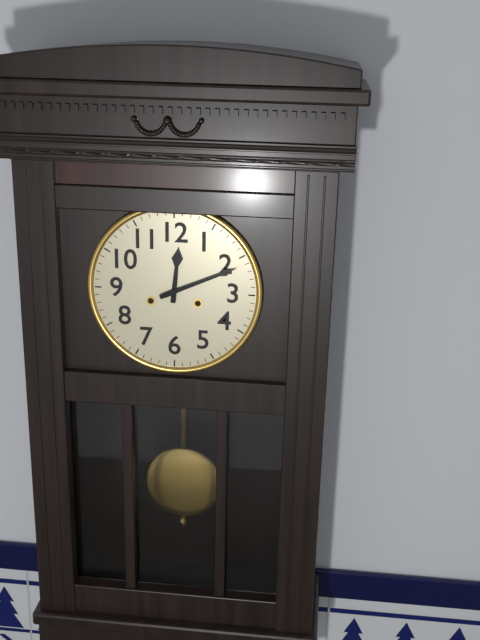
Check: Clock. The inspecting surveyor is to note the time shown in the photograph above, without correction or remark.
12:11
